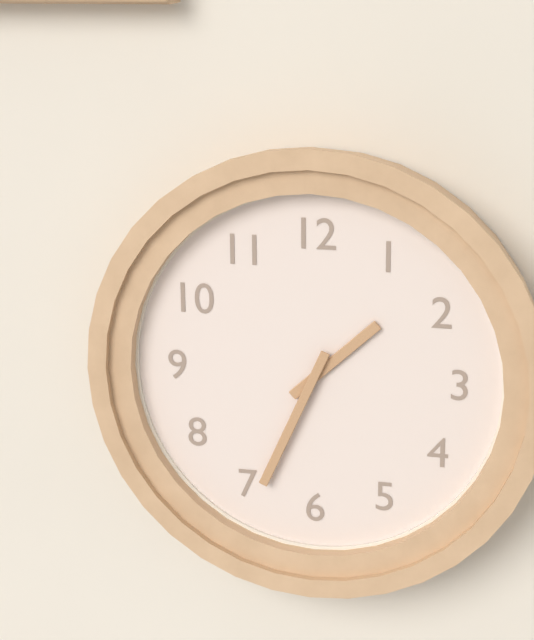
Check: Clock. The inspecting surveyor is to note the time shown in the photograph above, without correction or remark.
1:34
